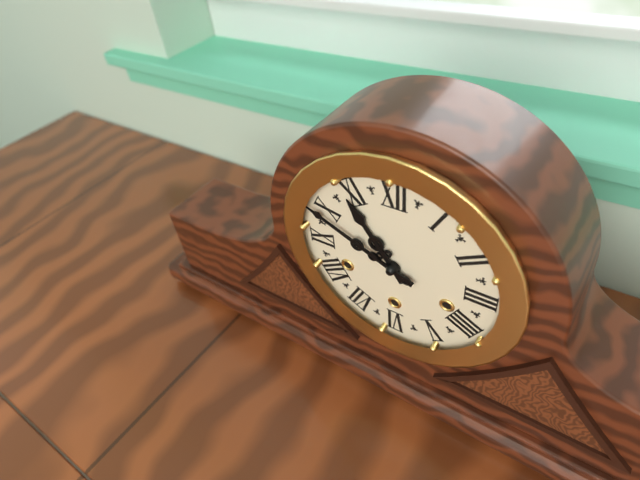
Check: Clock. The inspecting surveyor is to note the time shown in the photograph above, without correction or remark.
10:49
